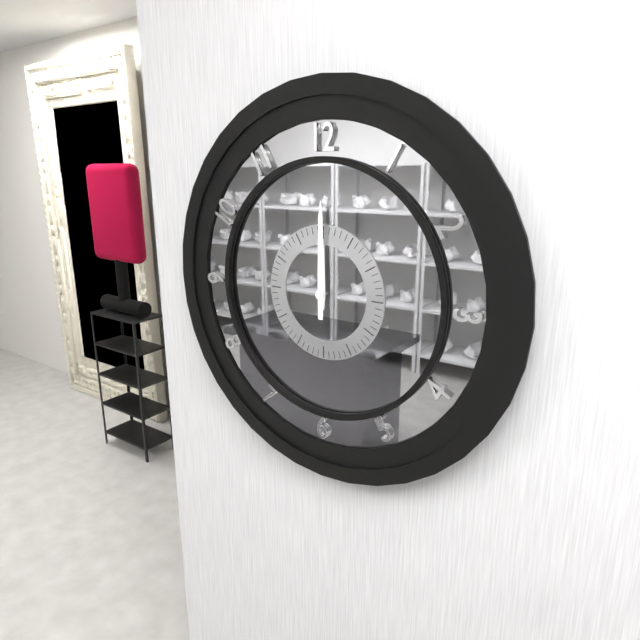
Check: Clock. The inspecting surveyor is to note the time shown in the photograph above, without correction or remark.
12:00
